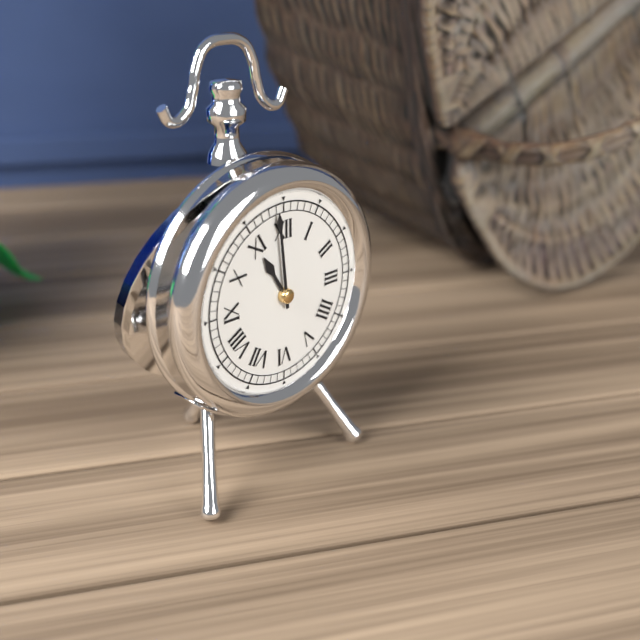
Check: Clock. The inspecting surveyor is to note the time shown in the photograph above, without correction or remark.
10:59
